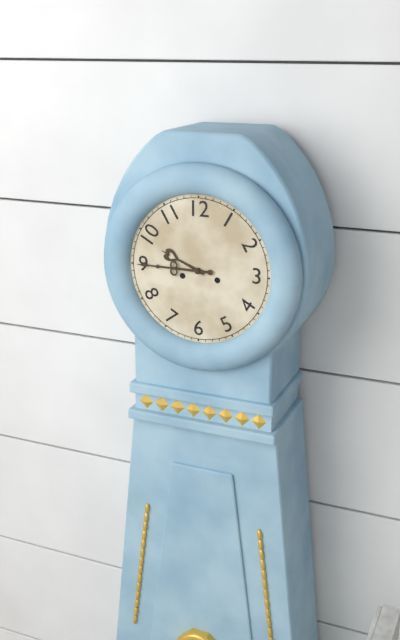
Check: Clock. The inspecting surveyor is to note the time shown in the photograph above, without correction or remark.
9:45
